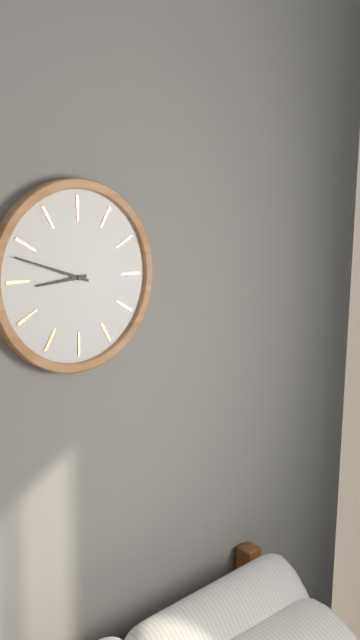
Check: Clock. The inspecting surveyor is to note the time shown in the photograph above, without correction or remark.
8:48
